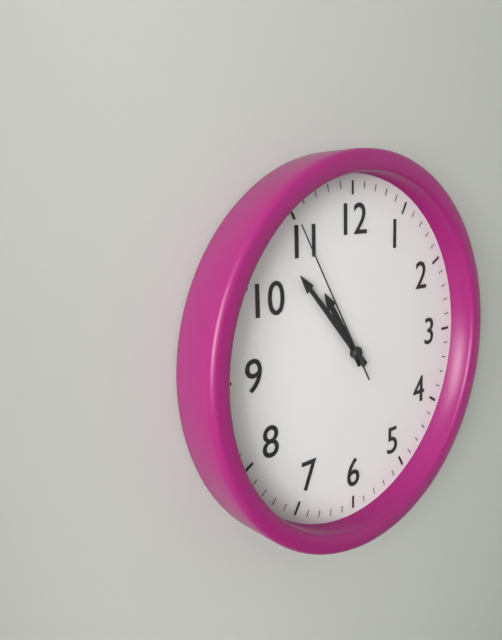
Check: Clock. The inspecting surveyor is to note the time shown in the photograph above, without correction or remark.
10:53:55
